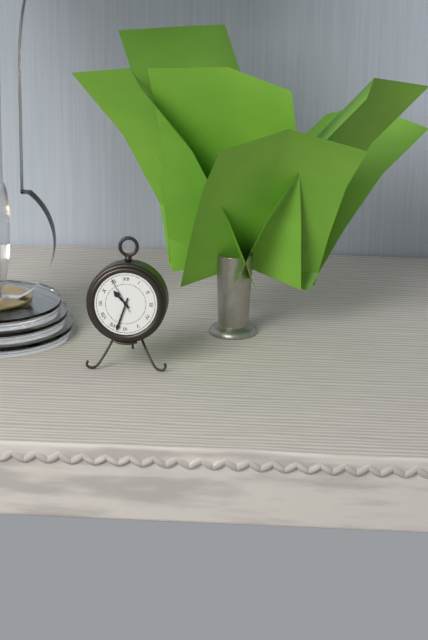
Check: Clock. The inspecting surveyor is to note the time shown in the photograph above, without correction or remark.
10:33
